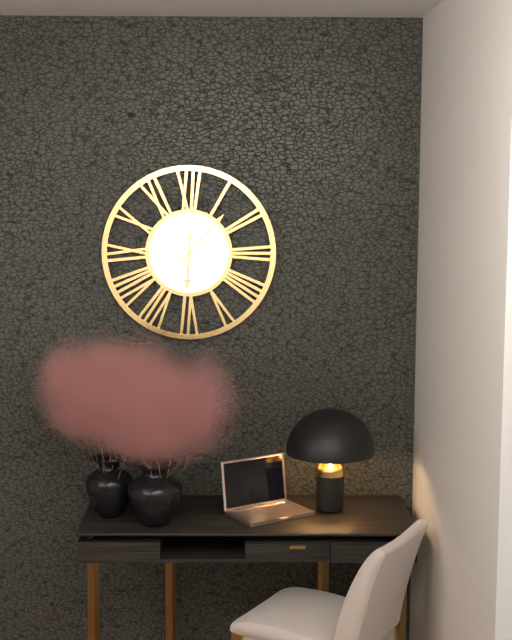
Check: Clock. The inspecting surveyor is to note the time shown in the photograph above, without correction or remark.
6:07
